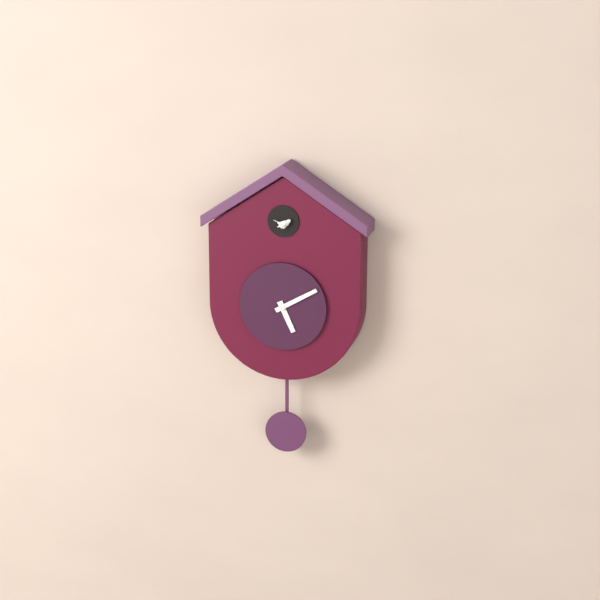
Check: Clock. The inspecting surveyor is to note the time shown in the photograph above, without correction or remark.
5:10
